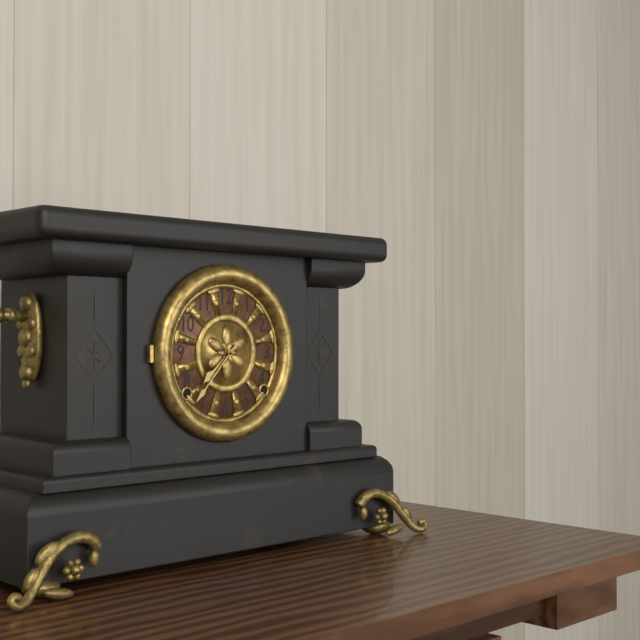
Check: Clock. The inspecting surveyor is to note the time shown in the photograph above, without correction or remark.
7:37
